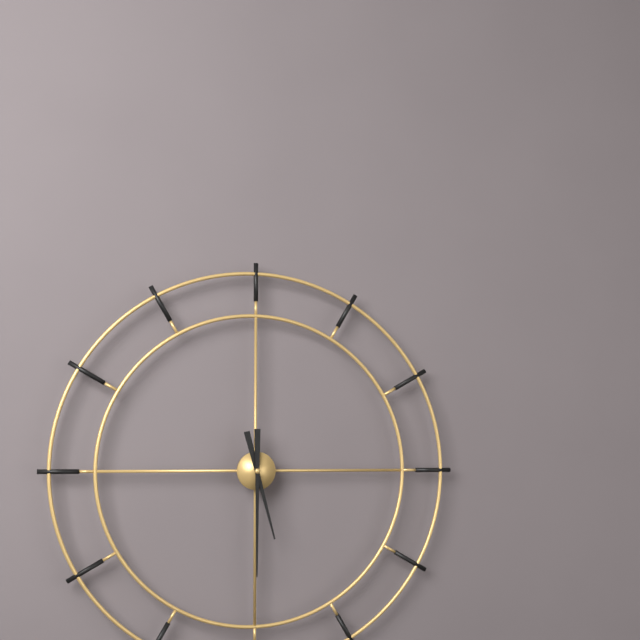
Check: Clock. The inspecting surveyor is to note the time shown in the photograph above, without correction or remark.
5:30
